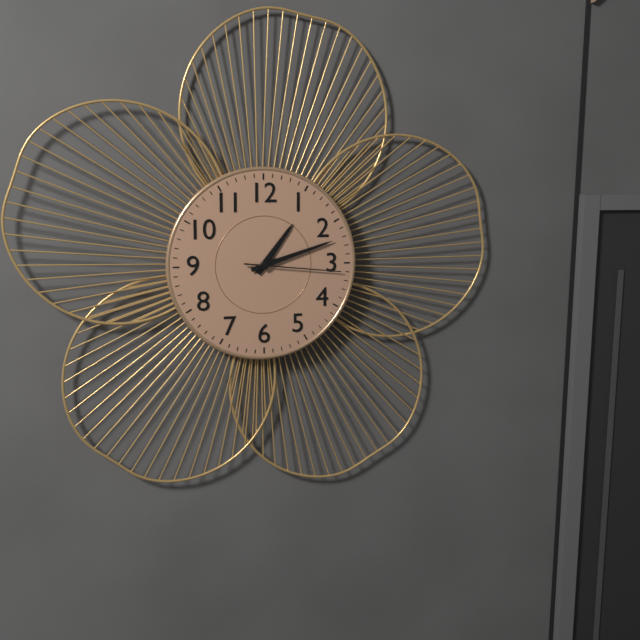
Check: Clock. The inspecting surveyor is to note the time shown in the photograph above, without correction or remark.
1:12:16
